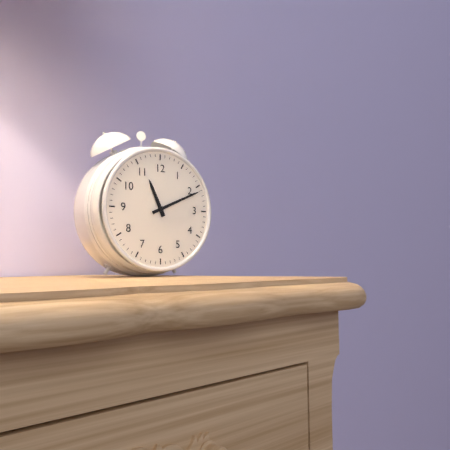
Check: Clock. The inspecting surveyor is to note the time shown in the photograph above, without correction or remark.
11:11
